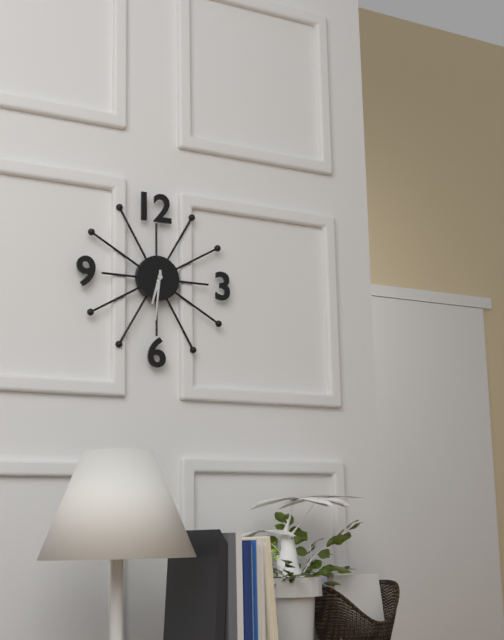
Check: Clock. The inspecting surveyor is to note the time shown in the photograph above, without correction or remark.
6:31
